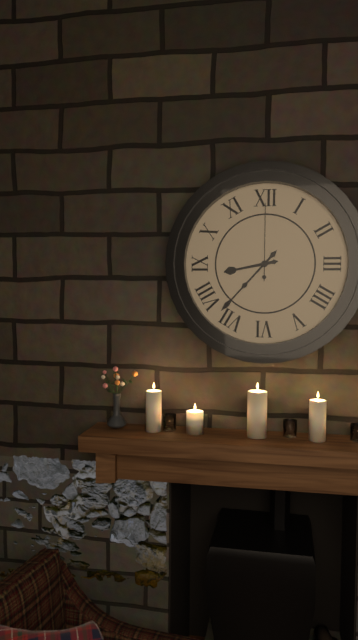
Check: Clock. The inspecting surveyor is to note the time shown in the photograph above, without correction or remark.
8:37:00
